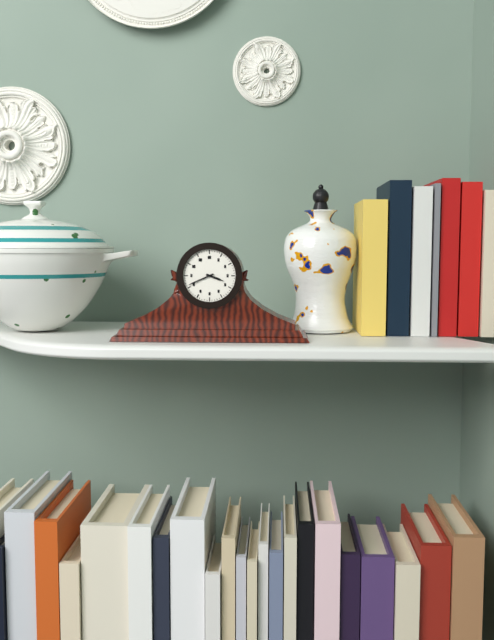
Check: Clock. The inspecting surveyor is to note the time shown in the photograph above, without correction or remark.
3:41
